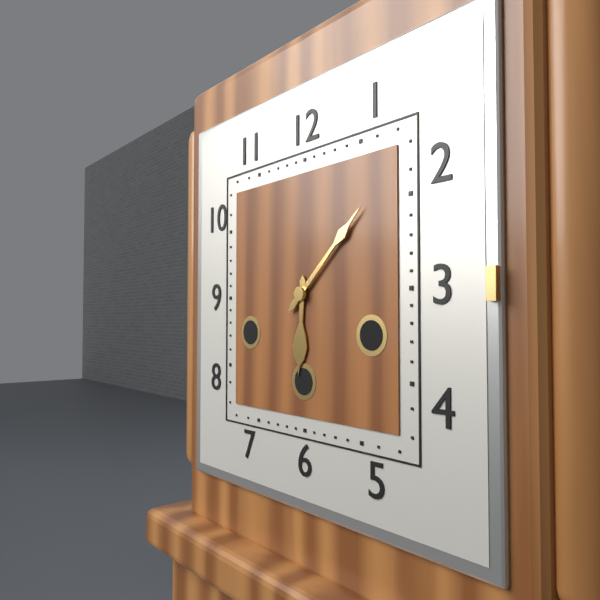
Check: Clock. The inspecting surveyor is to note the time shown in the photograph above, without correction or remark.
6:08
